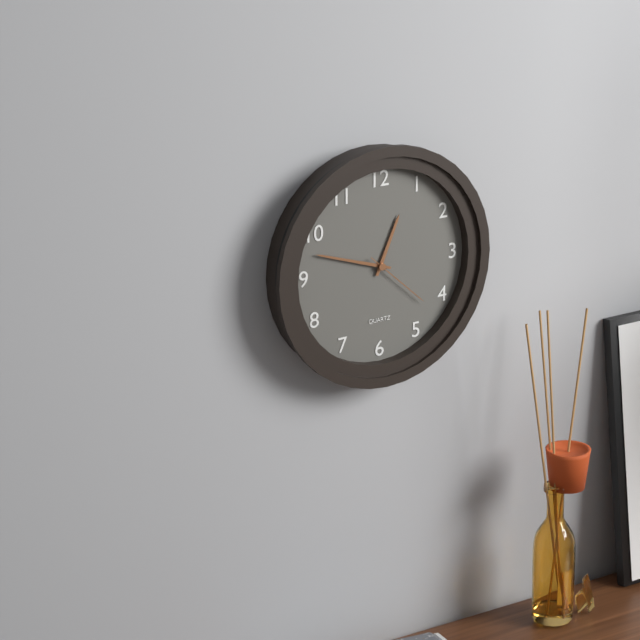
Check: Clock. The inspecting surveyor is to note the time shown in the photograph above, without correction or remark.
12:48:22
